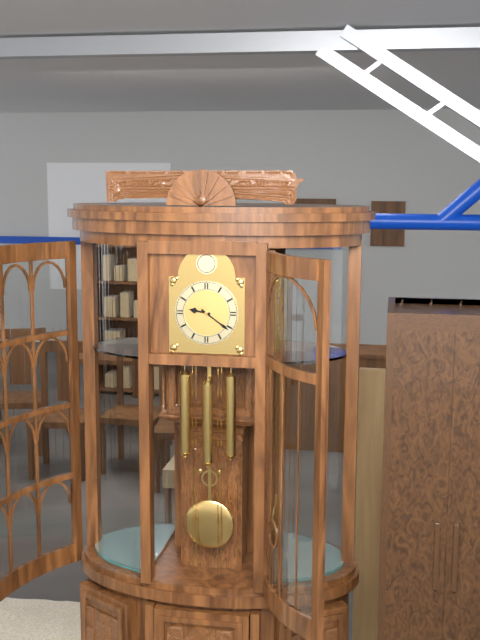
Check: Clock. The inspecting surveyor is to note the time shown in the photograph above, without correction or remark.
9:21
